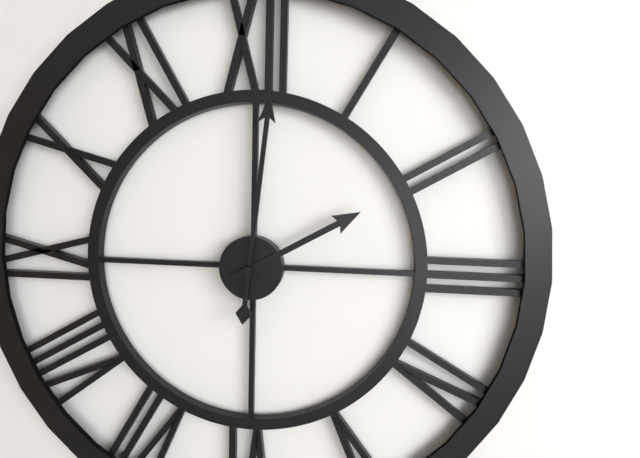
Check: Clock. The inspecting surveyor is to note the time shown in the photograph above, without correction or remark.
2:01
